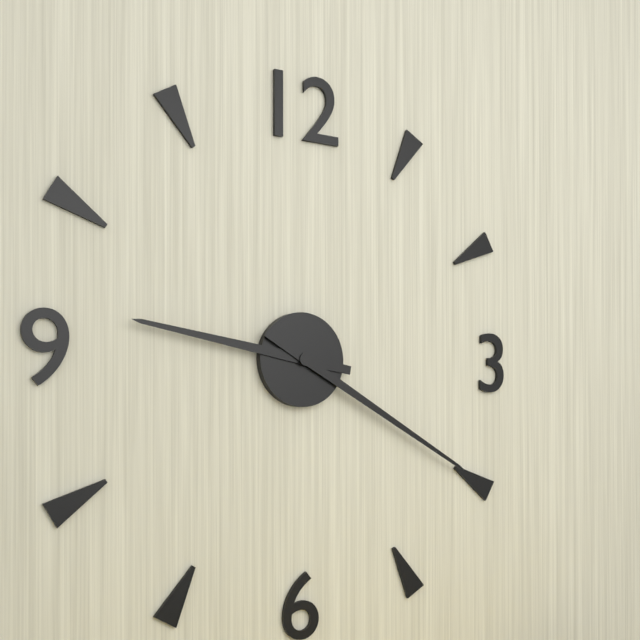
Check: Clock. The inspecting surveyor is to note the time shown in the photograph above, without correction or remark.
9:20
